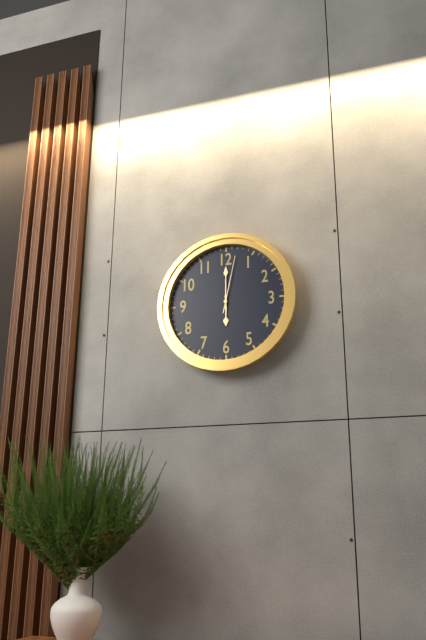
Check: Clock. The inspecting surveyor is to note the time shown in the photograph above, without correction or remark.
6:00:02
